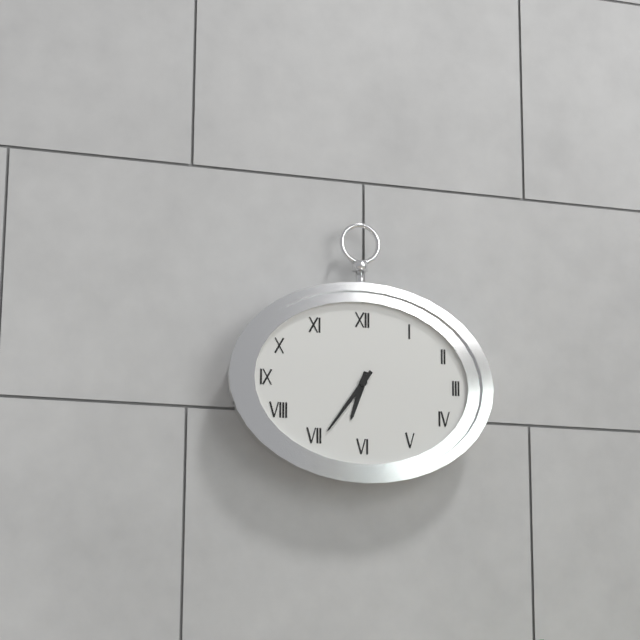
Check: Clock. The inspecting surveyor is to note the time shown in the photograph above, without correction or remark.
6:36
